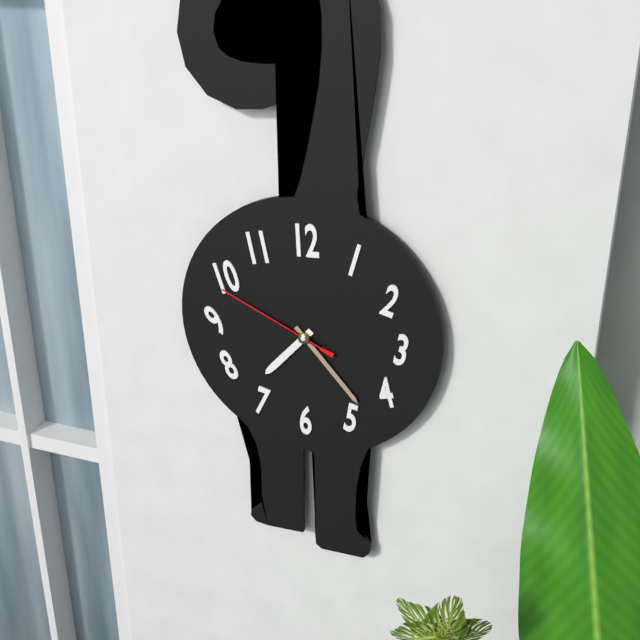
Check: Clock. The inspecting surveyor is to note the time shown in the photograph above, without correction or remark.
7:23:49
